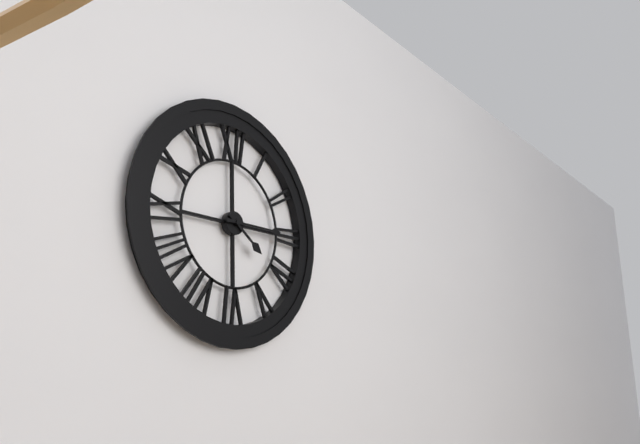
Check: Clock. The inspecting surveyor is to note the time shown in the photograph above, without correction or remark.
4:15
